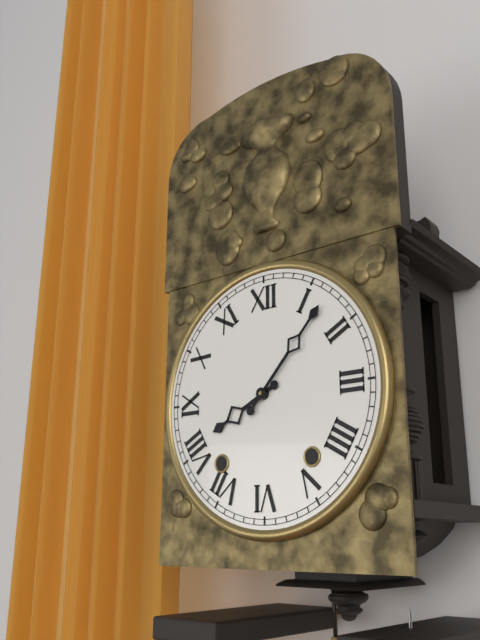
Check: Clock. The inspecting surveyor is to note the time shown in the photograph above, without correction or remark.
8:07
